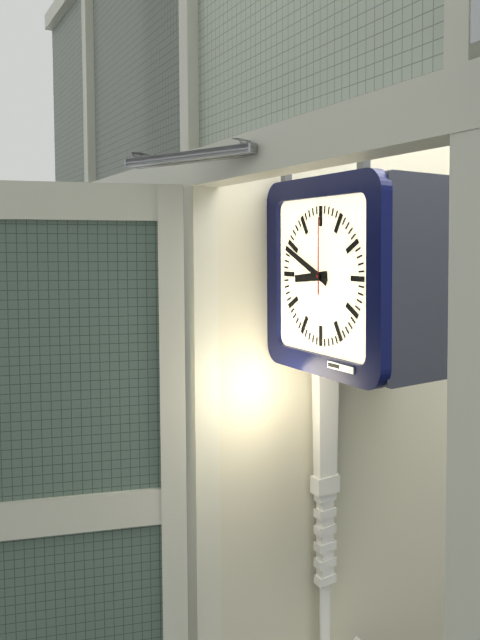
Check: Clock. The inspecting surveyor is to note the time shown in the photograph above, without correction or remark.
8:49:00
